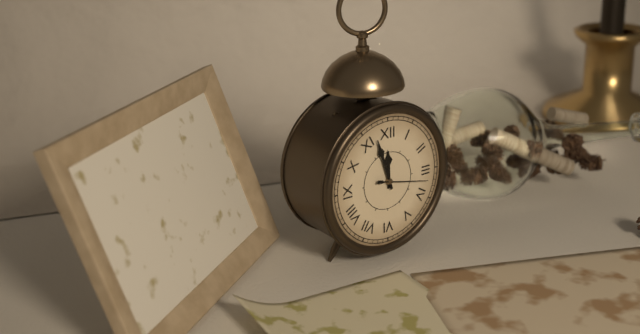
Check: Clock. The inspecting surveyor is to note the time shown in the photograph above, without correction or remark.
11:57
